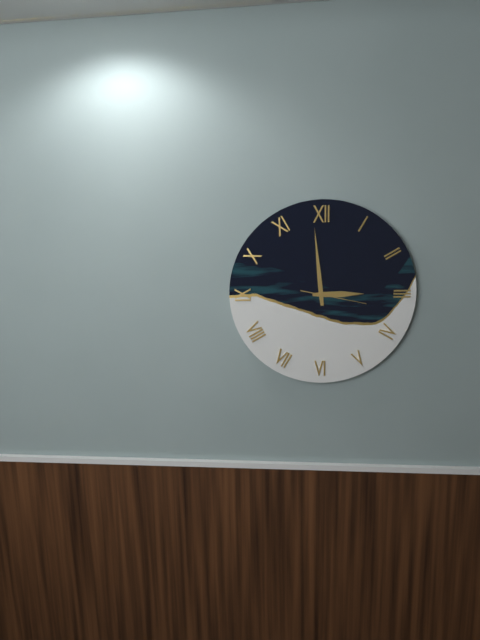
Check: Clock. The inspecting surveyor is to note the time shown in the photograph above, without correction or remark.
2:59:17
